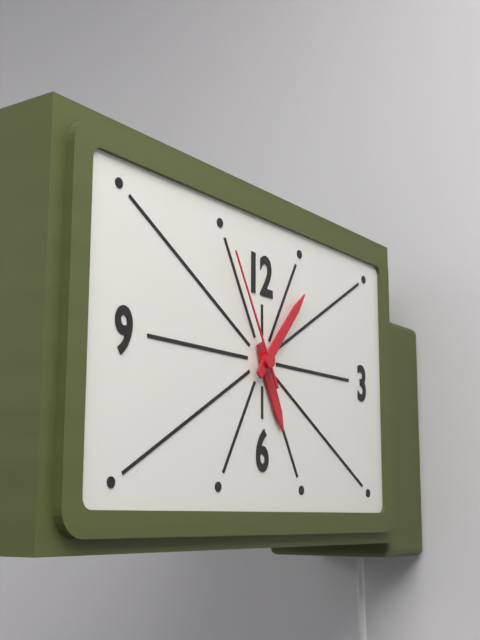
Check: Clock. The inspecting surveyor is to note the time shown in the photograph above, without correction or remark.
5:07:55
